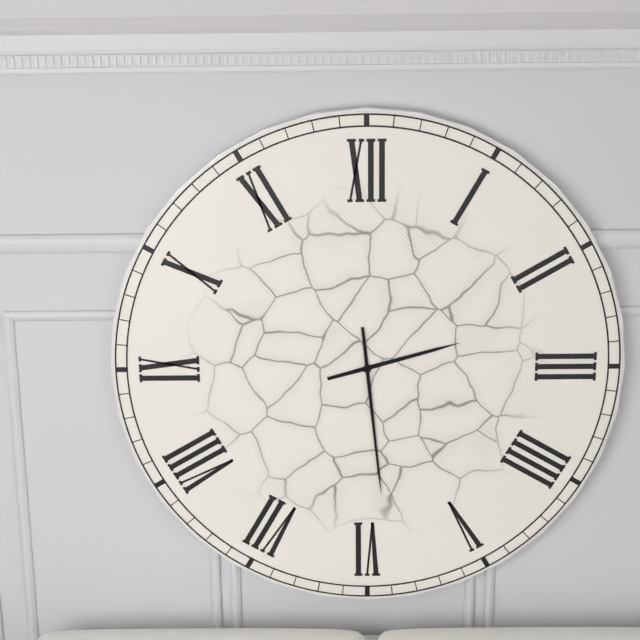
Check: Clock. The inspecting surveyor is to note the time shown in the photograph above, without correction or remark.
2:29
